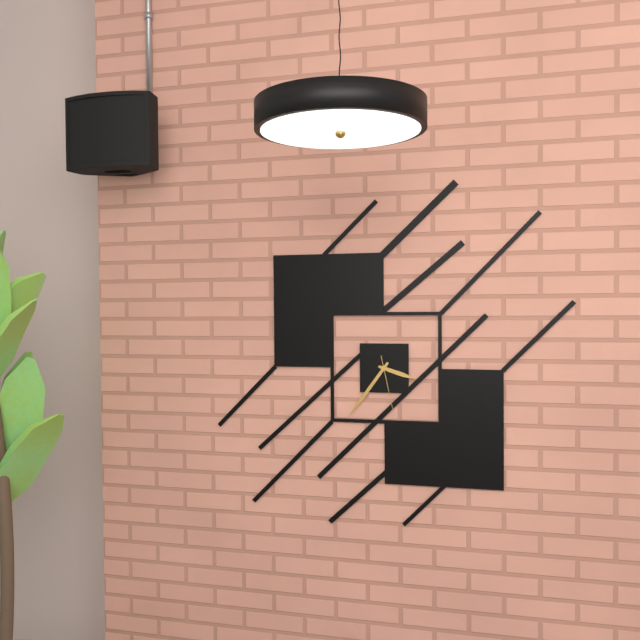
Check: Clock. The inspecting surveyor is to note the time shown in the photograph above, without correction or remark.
3:36:28
